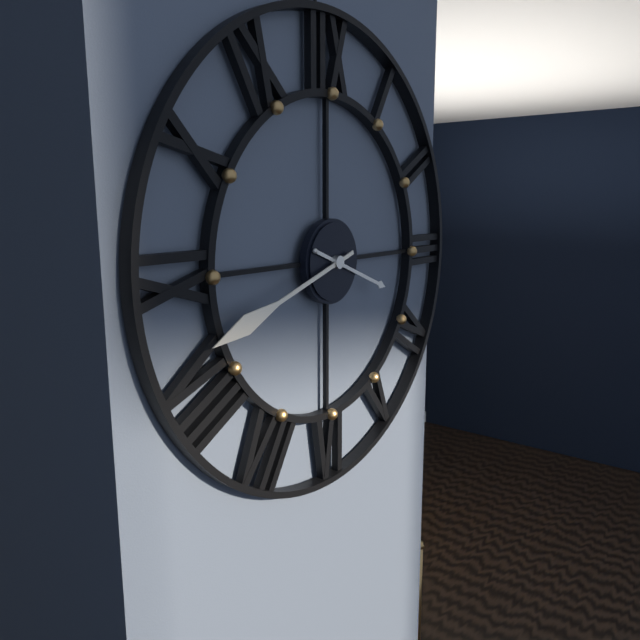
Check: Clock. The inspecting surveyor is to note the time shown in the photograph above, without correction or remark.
3:42
